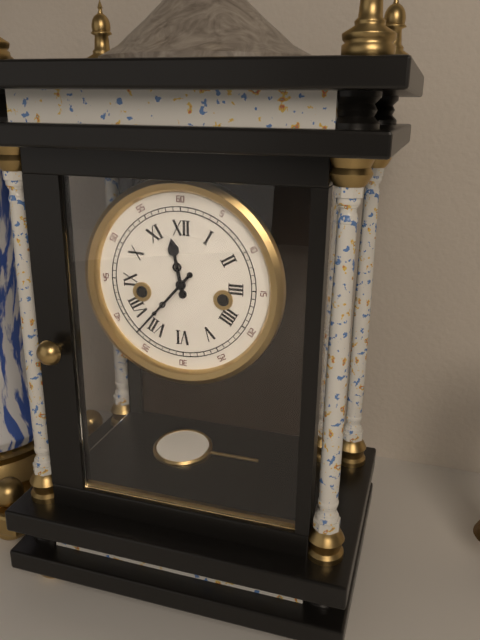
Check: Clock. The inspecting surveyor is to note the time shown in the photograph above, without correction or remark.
11:37
